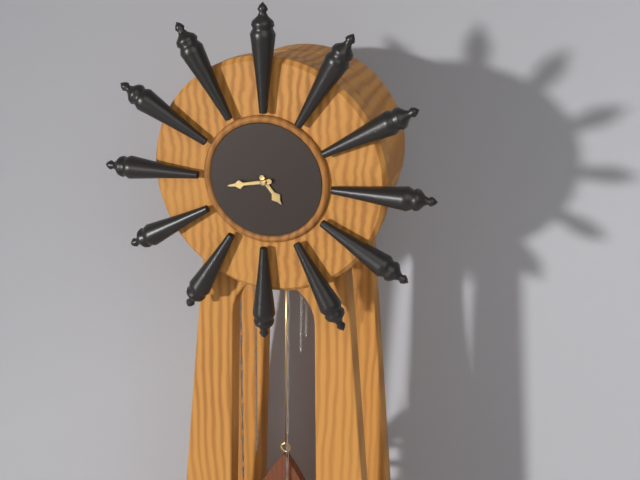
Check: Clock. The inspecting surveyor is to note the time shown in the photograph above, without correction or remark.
4:43
